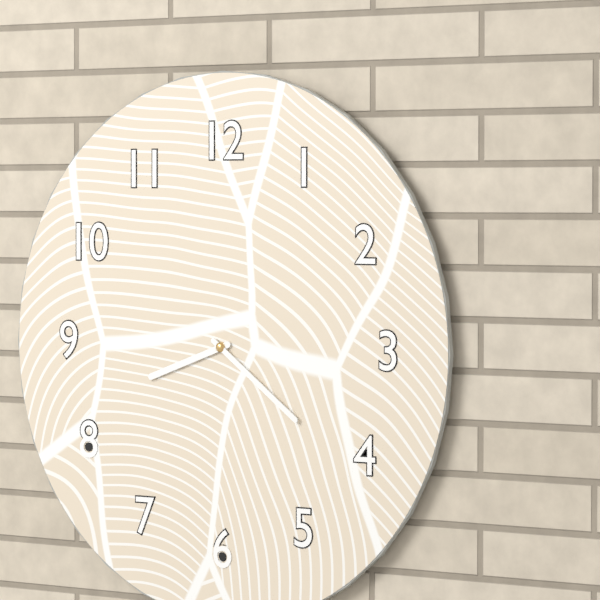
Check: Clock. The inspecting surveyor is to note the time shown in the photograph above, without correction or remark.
8:21
